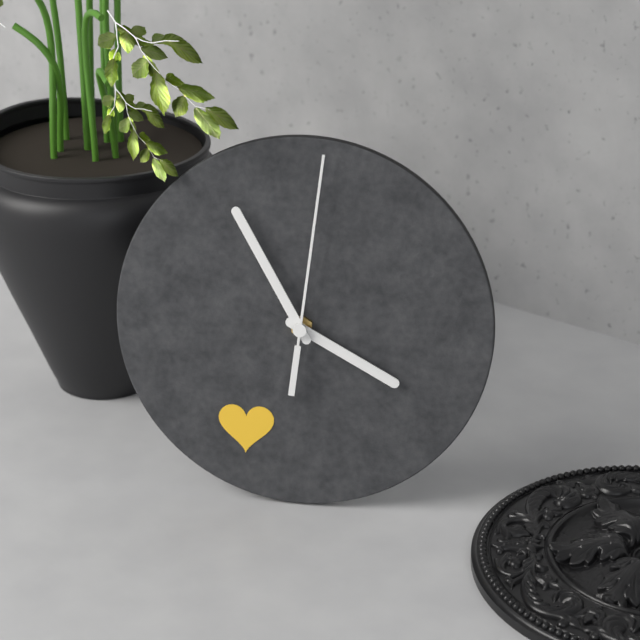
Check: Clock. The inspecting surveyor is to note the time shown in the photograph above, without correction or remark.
3:55:01
